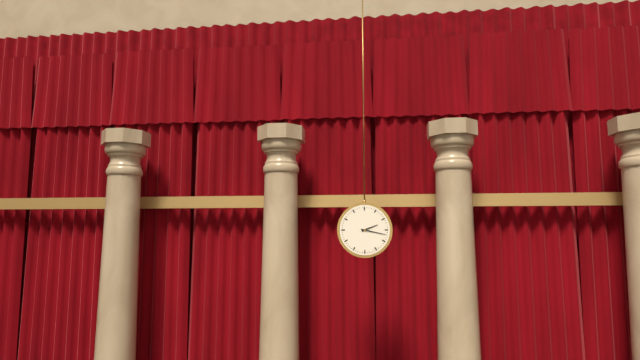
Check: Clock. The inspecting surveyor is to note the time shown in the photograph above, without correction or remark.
2:17
